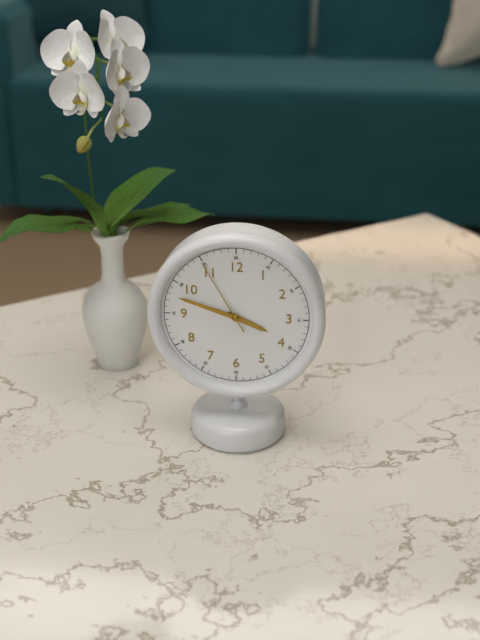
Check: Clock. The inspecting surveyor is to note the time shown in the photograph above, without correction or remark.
3:48:55
